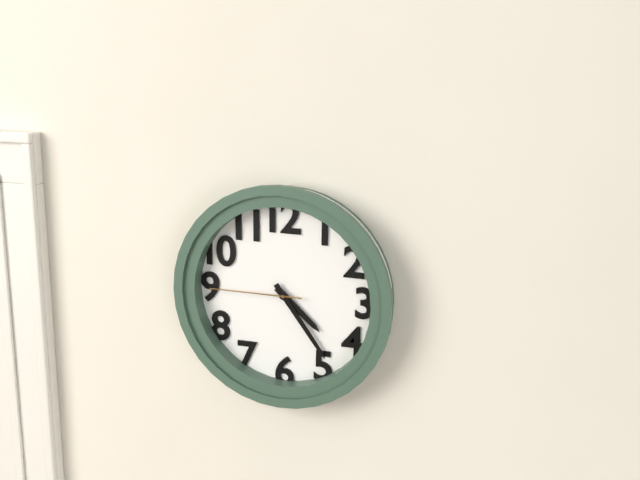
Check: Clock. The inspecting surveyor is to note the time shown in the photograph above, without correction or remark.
4:24:45
